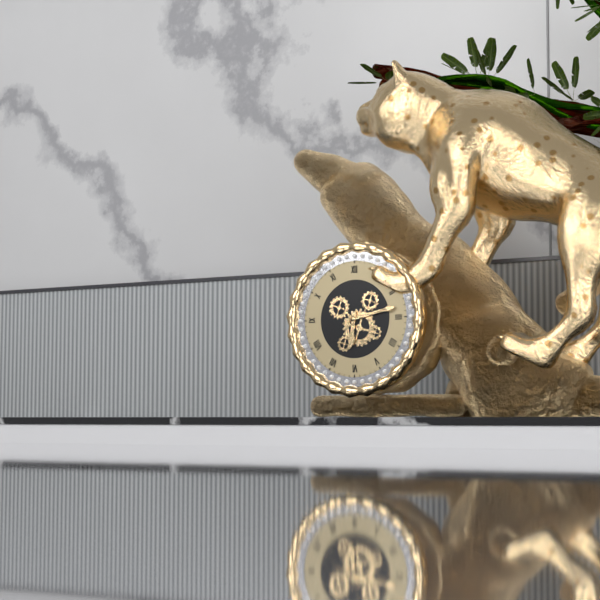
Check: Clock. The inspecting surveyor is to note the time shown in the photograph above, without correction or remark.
6:13
